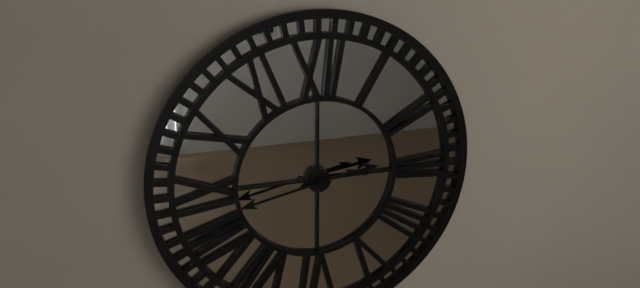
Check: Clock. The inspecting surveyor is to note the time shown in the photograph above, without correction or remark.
2:43
